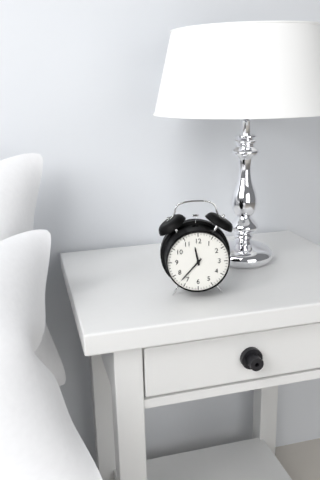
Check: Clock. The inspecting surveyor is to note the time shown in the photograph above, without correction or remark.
11:37
